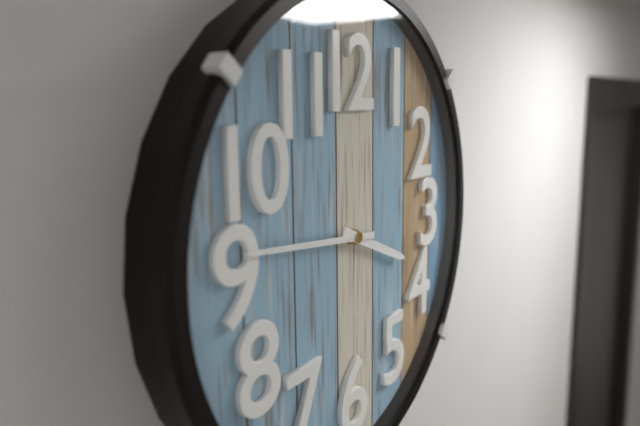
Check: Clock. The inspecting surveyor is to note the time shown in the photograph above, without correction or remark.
3:46
